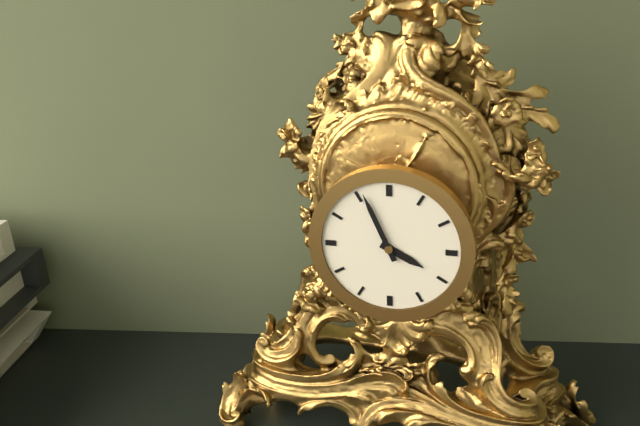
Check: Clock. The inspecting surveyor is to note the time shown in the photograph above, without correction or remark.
3:56
